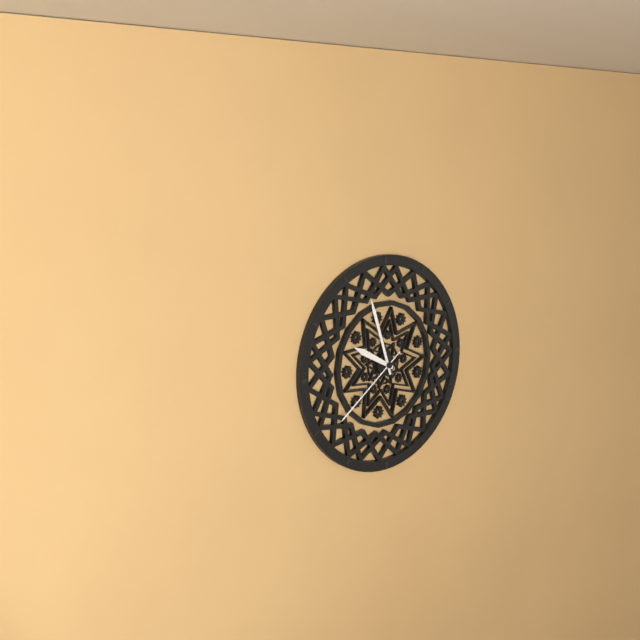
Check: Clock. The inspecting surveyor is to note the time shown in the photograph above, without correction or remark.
9:57:39
